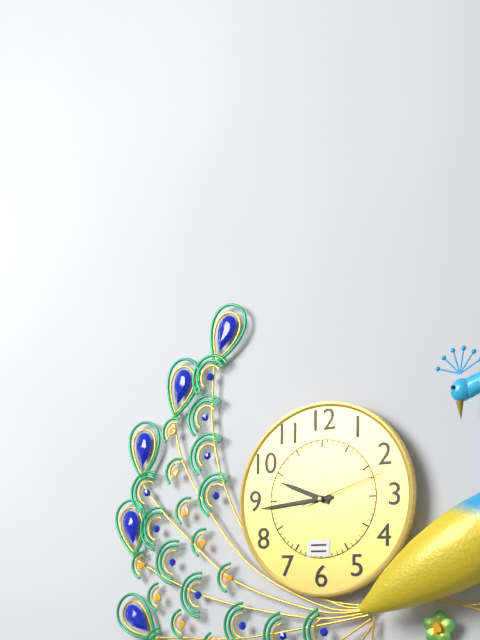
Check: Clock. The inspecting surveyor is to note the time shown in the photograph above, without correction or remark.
9:44:12
